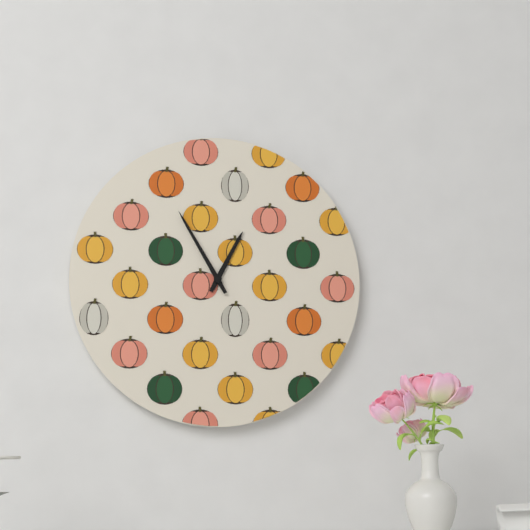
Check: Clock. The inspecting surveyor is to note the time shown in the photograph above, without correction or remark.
12:55
